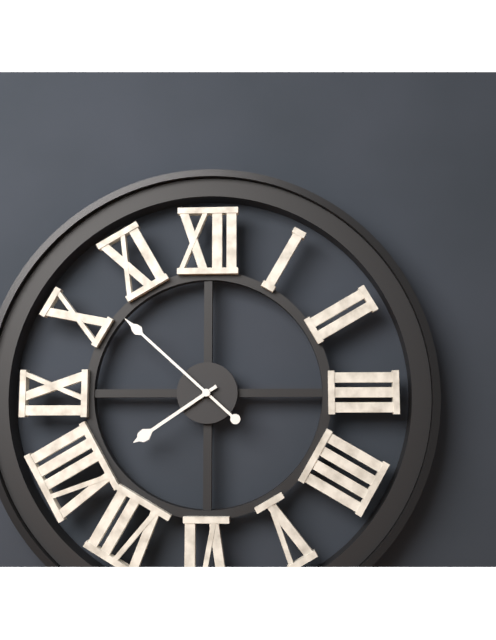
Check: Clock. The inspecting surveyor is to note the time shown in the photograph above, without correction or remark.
7:52
